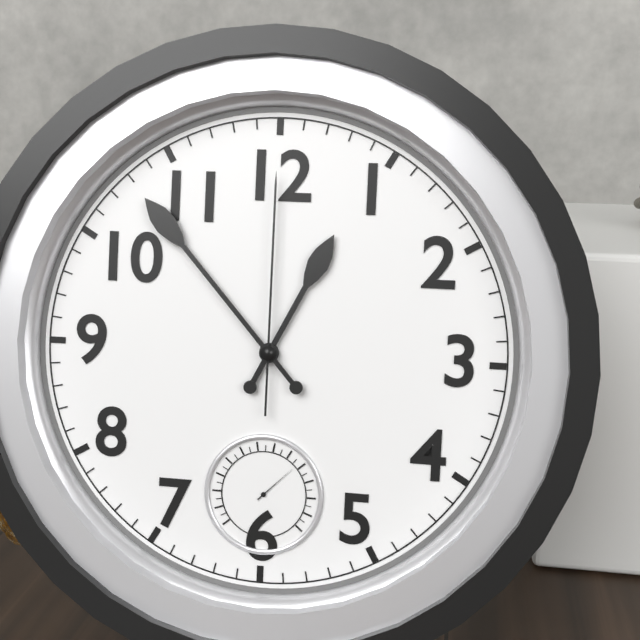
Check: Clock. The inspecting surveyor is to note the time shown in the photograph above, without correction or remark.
12:53:00
